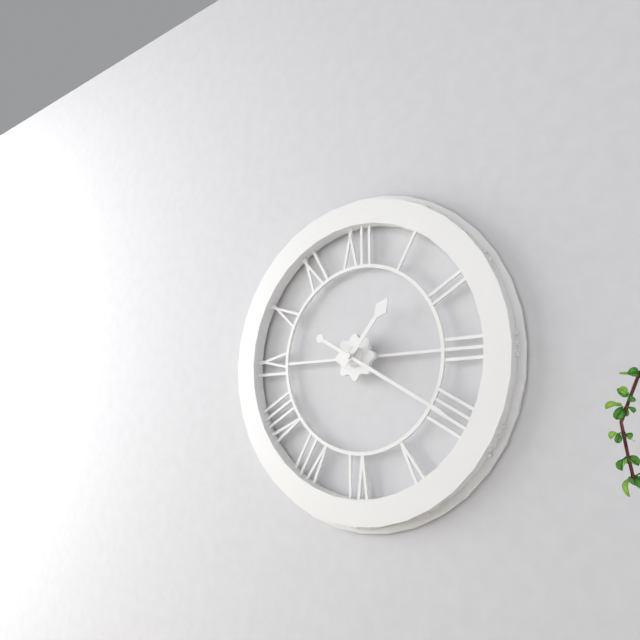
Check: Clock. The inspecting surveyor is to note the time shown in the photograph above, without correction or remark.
1:20
